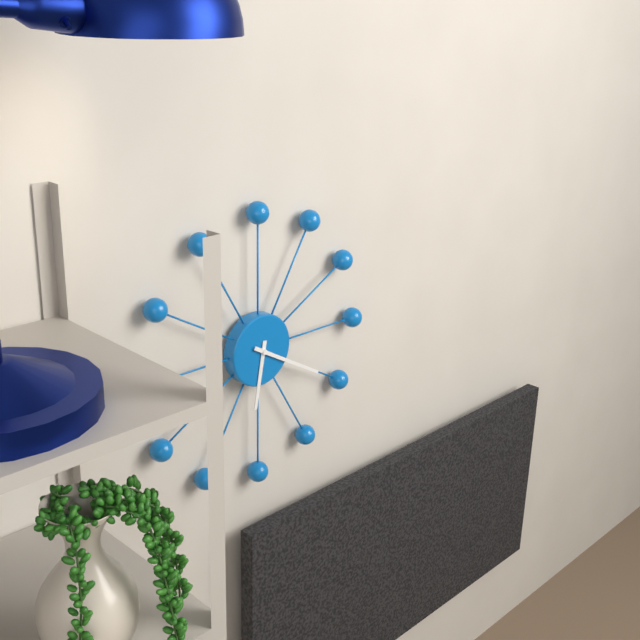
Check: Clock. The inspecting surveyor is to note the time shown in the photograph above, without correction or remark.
6:20
